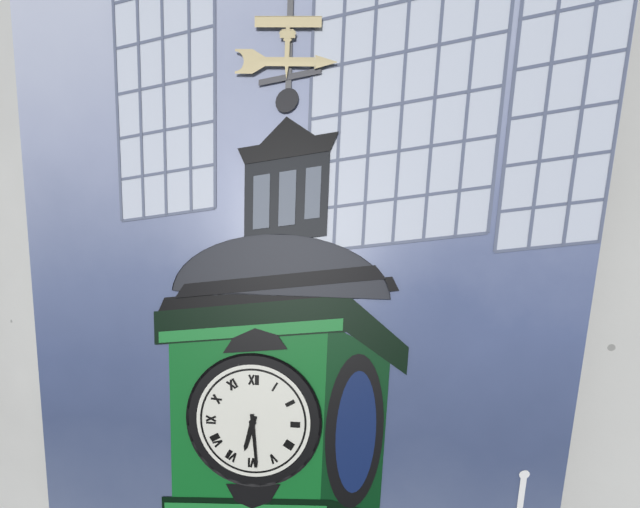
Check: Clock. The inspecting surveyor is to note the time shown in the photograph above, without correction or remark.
6:29
